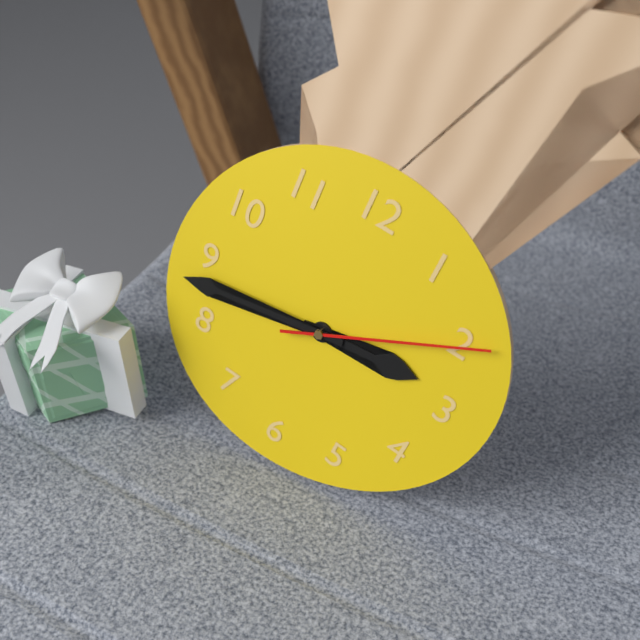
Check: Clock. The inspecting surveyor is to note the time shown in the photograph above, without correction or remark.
2:43:10
